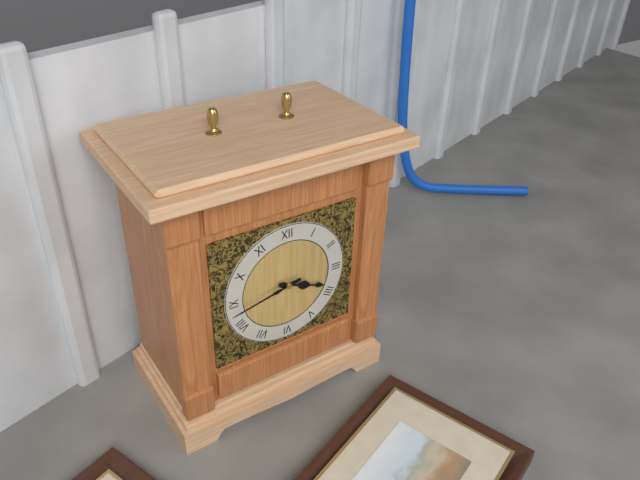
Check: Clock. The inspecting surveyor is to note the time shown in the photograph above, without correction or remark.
3:43
